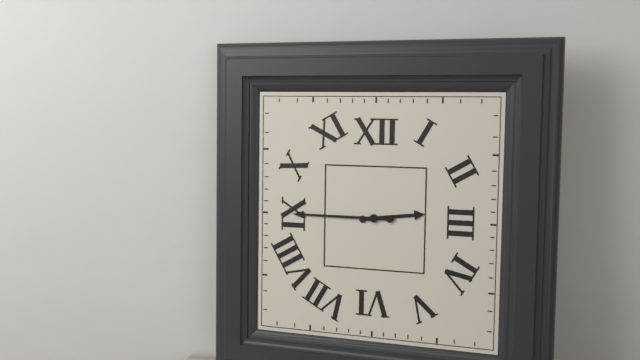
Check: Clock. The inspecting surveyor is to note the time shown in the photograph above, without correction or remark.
2:45
